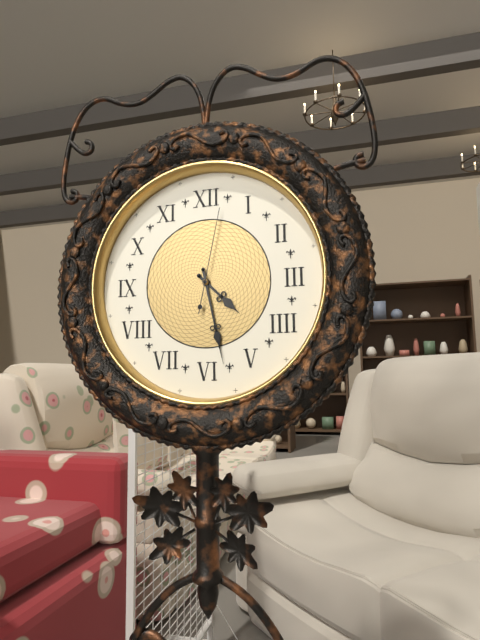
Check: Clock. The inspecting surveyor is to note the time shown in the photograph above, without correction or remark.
4:28:02
